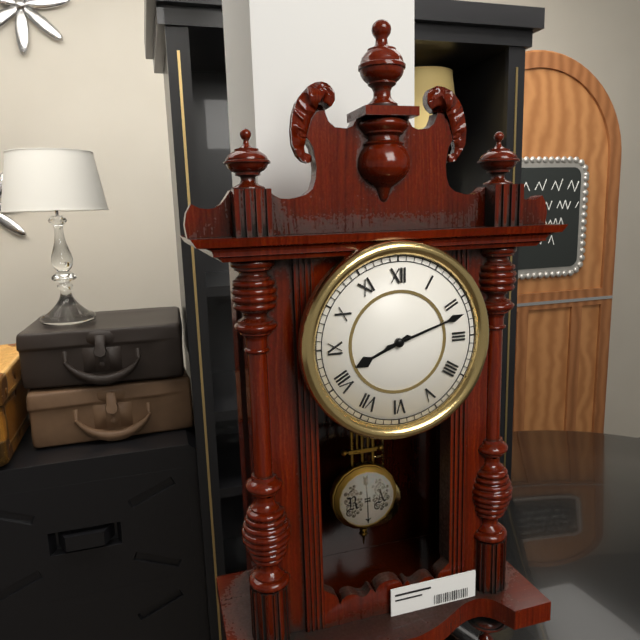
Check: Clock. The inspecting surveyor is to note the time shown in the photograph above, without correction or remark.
8:12
